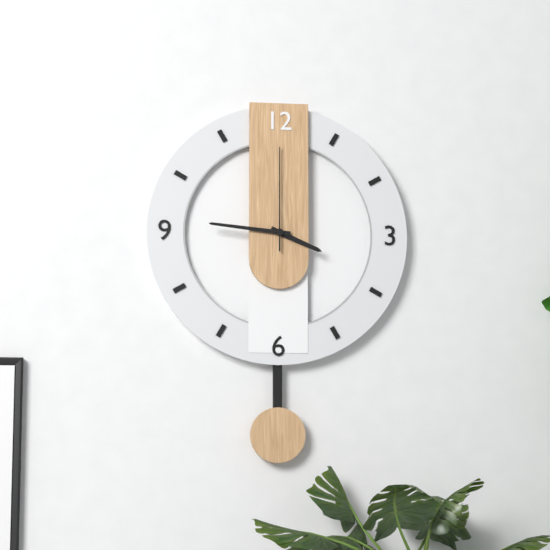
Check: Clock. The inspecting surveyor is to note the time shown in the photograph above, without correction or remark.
3:46:00
